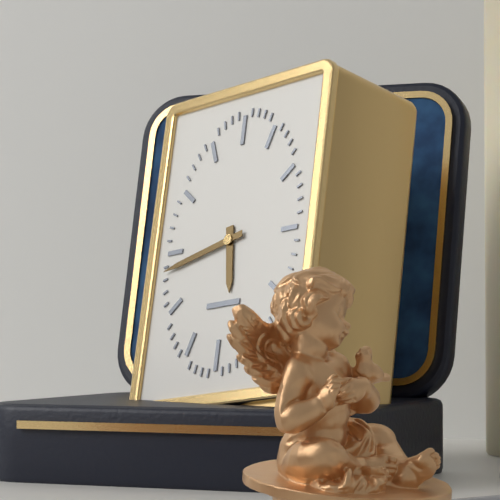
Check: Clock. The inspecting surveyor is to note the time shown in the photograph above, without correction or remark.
5:43
